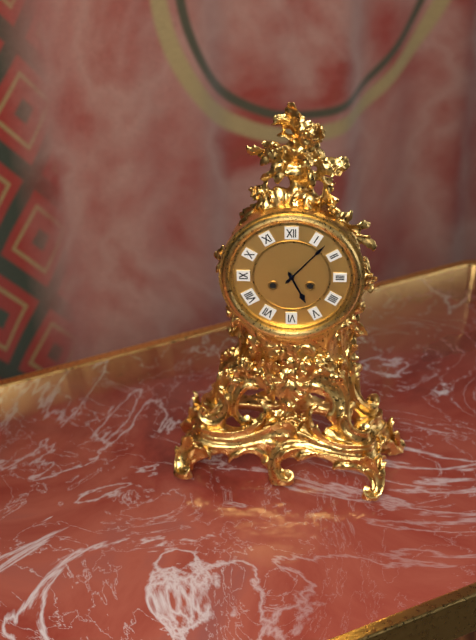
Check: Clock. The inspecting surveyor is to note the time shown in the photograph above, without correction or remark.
5:07
